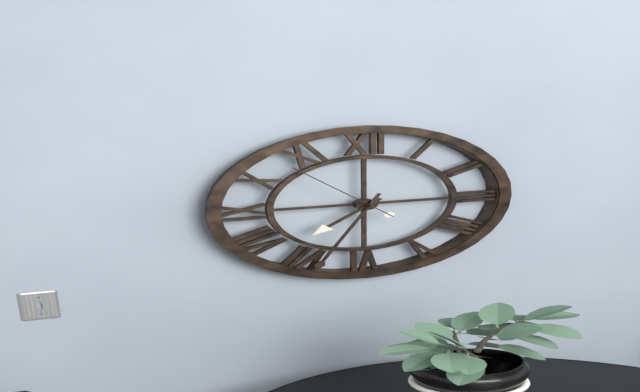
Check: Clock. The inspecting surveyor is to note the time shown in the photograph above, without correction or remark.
7:34:53
